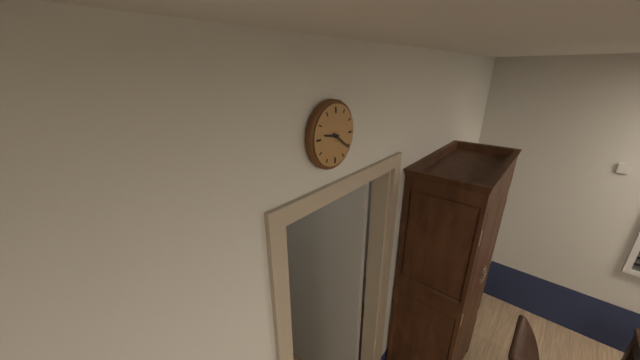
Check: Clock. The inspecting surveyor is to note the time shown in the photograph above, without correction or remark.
9:21
